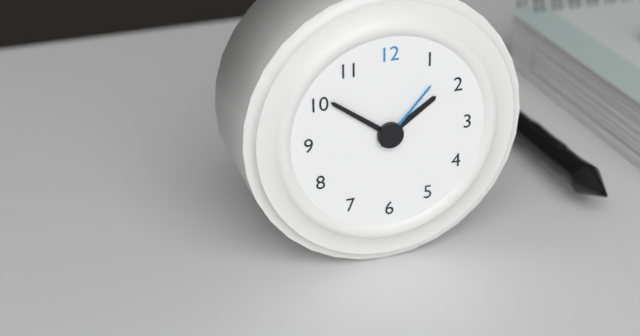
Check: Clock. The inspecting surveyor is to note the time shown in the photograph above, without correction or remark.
1:51:07
